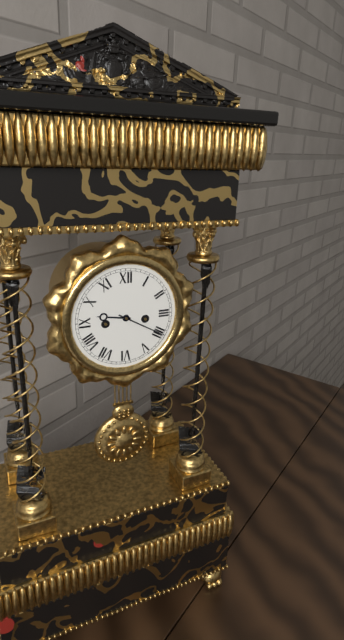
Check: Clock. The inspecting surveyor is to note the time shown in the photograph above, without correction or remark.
9:20
